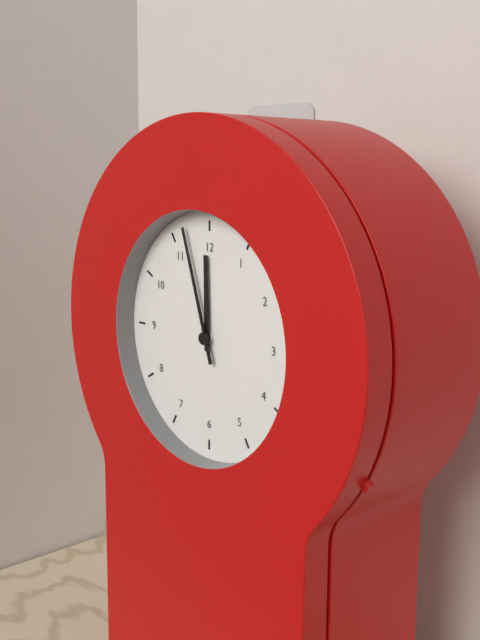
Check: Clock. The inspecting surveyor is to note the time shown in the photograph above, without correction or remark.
11:57
